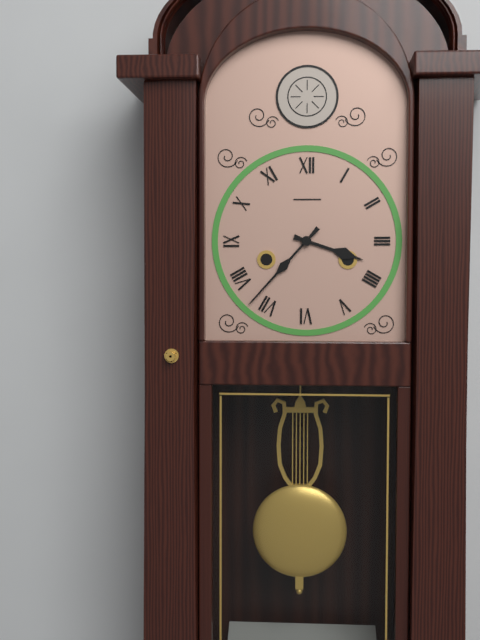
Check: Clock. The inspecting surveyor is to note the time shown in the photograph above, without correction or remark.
3:37
